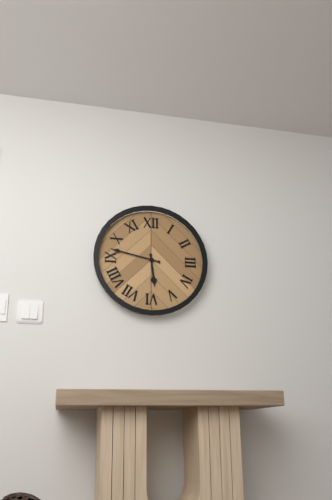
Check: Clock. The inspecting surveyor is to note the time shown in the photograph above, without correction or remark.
5:47
